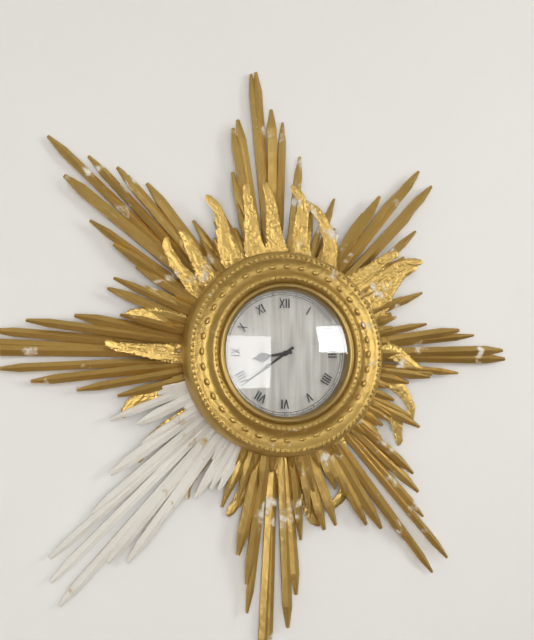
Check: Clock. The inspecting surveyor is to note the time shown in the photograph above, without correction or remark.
8:39
